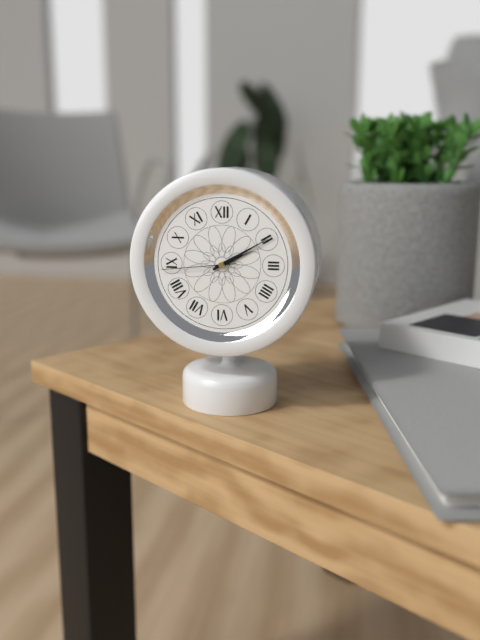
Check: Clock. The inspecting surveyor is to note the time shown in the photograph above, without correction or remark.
2:10:44
